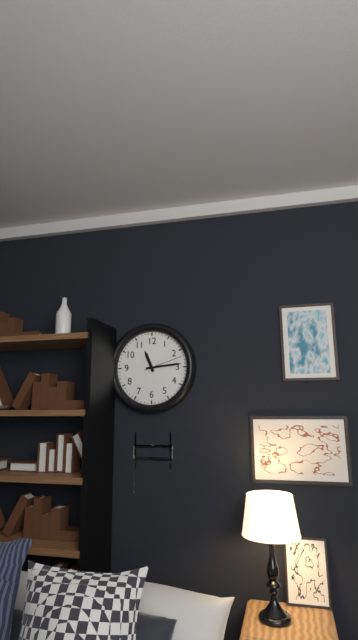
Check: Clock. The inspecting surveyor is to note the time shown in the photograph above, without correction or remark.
11:14
